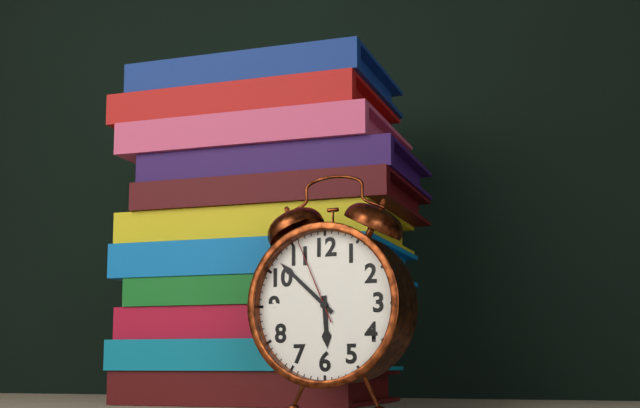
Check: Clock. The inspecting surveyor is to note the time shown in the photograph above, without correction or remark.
5:52:56
